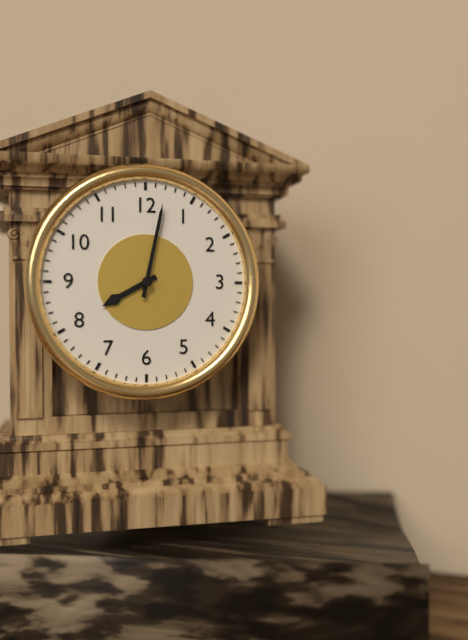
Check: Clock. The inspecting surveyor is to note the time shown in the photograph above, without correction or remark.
8:02
